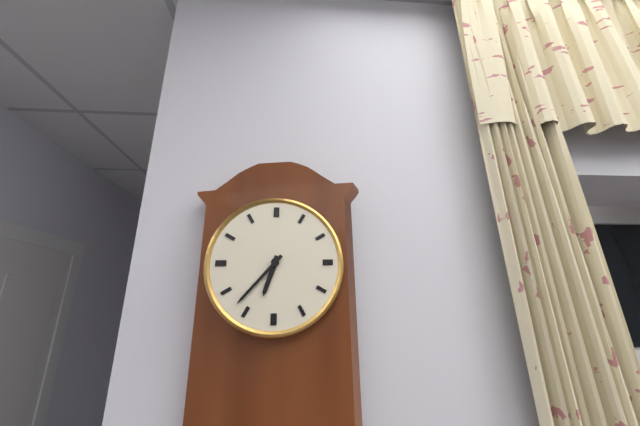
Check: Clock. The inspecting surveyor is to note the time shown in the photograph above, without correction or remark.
6:37
